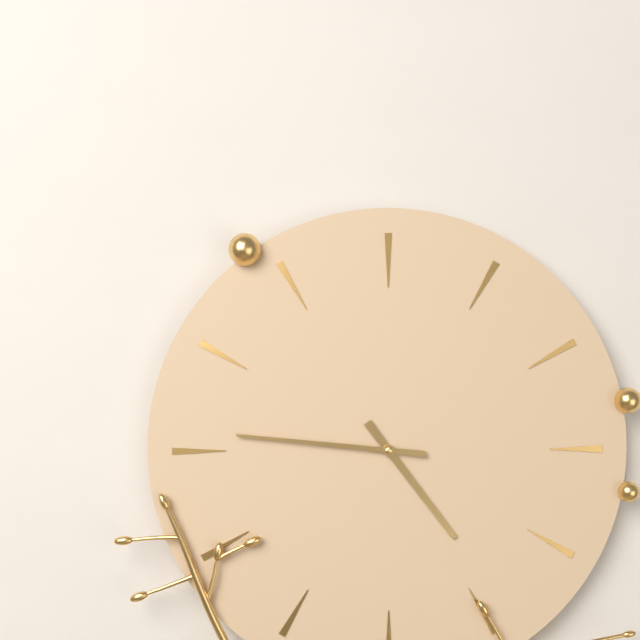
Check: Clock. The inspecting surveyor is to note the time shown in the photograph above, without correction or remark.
4:46
